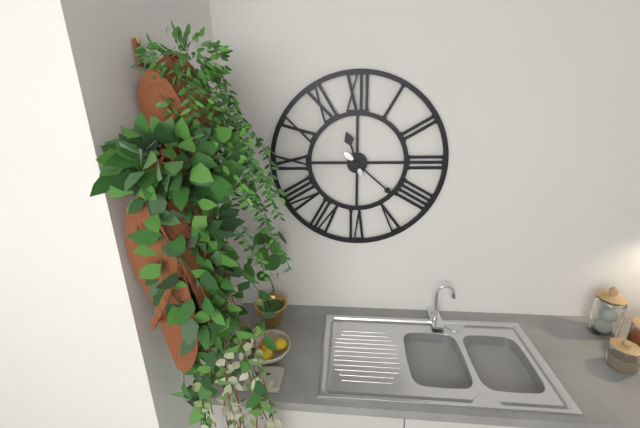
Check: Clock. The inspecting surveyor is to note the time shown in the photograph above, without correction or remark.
11:22
